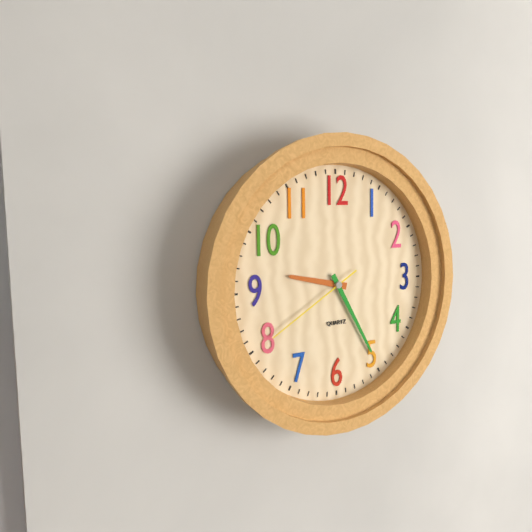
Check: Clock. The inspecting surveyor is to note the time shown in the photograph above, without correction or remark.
9:25:40
